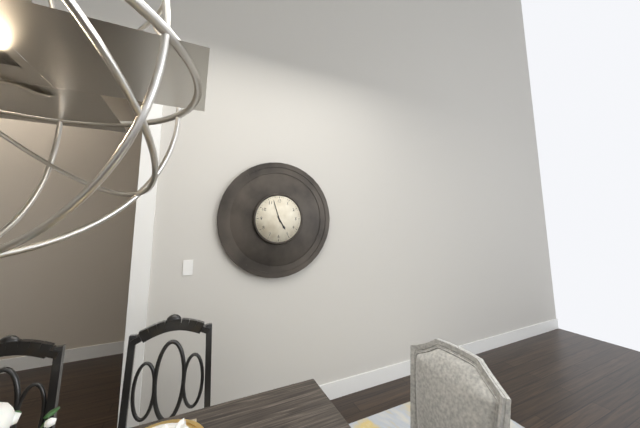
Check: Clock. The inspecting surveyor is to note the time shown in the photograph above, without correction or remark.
4:57
